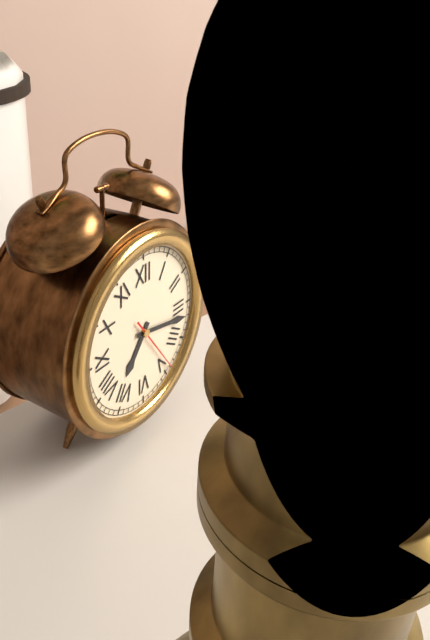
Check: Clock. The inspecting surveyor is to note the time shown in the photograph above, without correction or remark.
7:17:24
